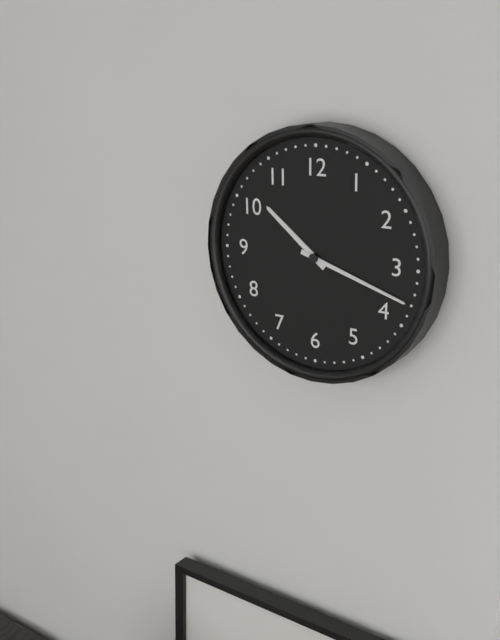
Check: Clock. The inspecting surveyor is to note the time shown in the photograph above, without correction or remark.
10:18
